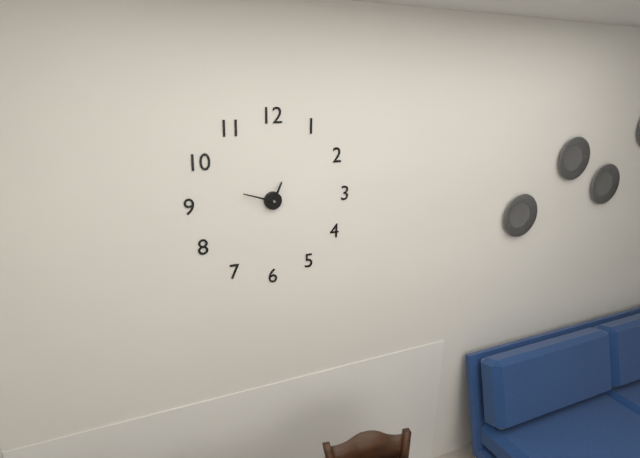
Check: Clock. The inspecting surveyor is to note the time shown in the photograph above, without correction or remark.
12:48
